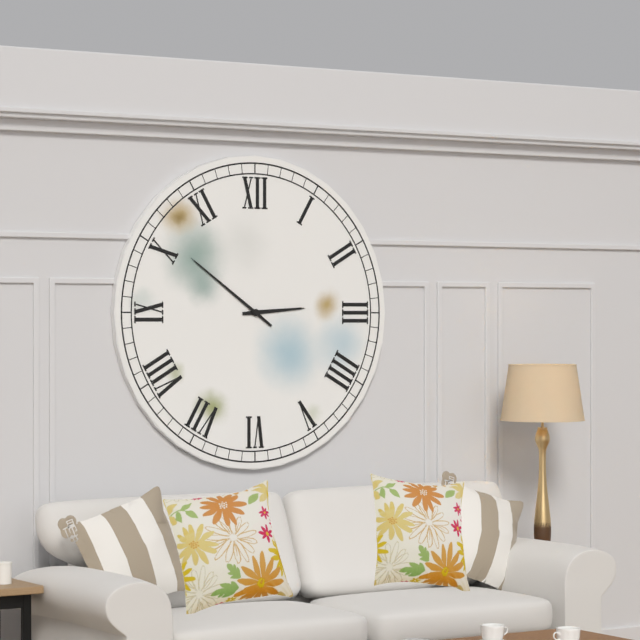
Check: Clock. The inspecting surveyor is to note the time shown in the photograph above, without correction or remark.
2:51
